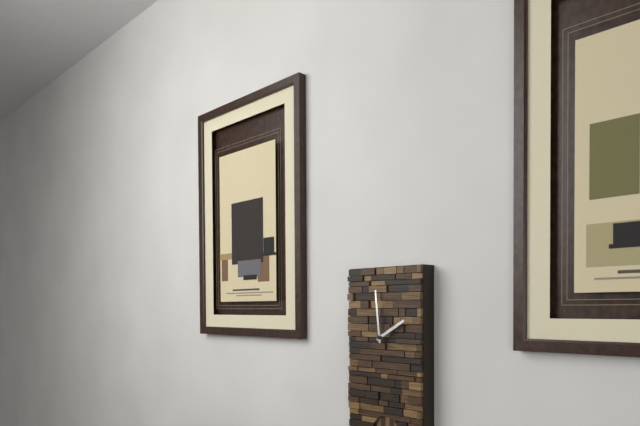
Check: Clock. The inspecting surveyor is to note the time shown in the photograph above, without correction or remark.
1:59
